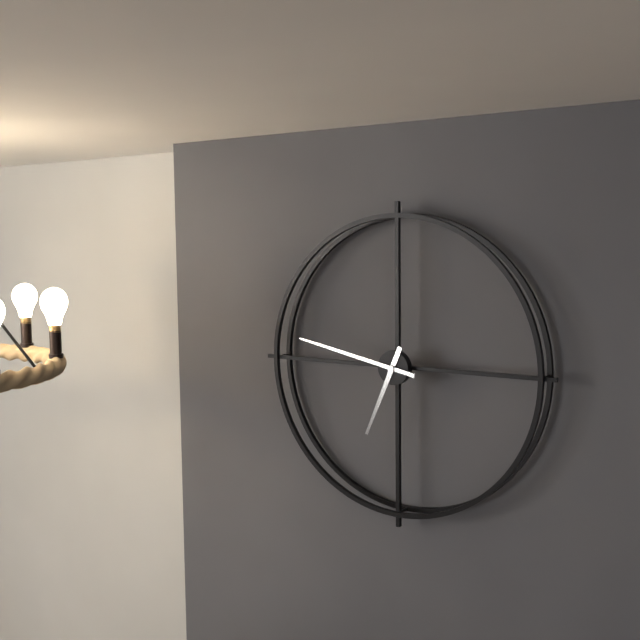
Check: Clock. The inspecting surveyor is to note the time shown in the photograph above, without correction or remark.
6:47
